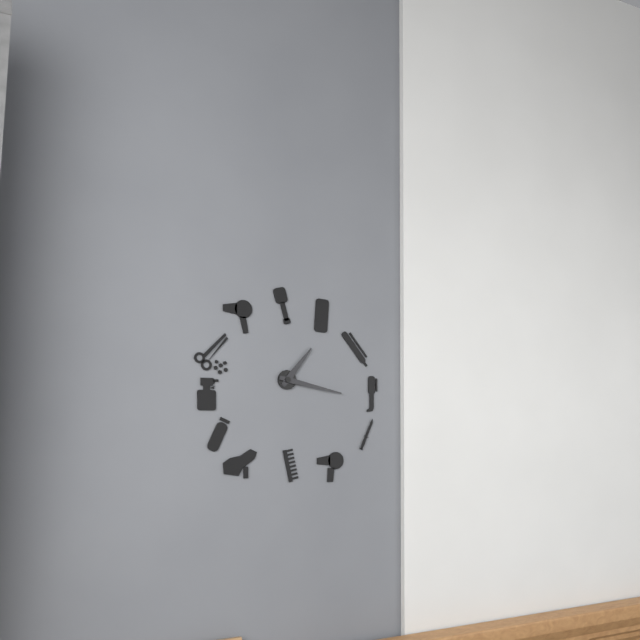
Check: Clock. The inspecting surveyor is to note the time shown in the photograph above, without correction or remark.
1:17
